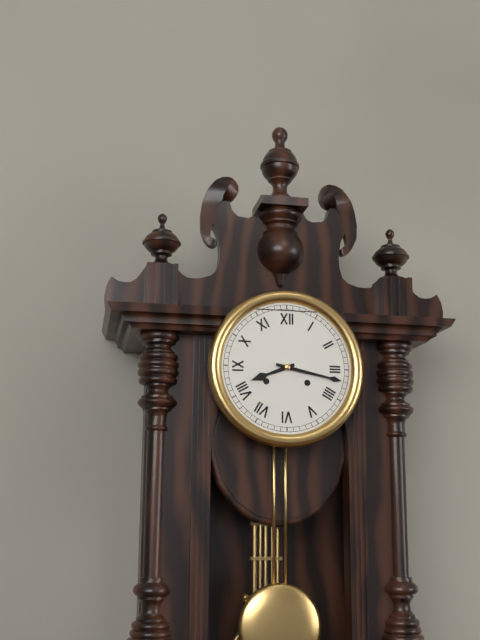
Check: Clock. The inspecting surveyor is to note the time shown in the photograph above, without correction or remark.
8:17
